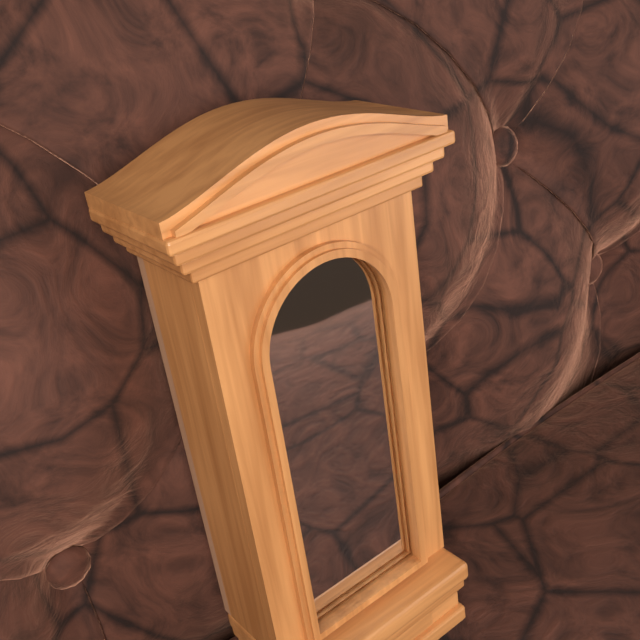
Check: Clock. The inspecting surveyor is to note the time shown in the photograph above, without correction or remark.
3:49
